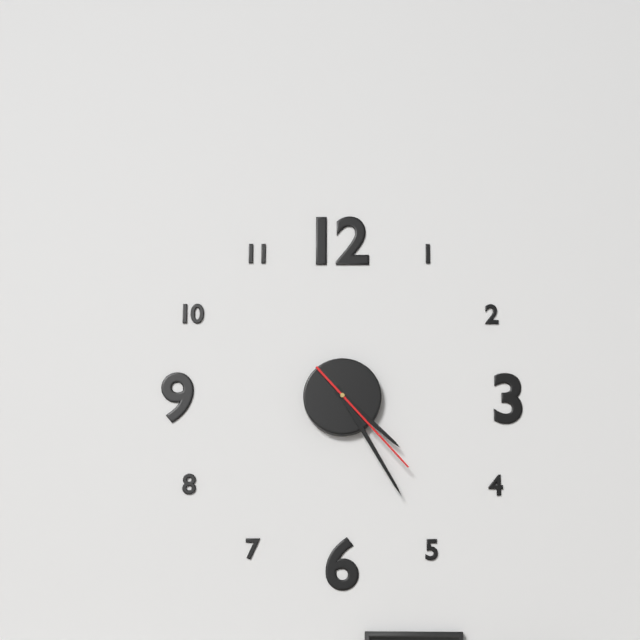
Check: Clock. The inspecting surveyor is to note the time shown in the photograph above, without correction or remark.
4:25:23
